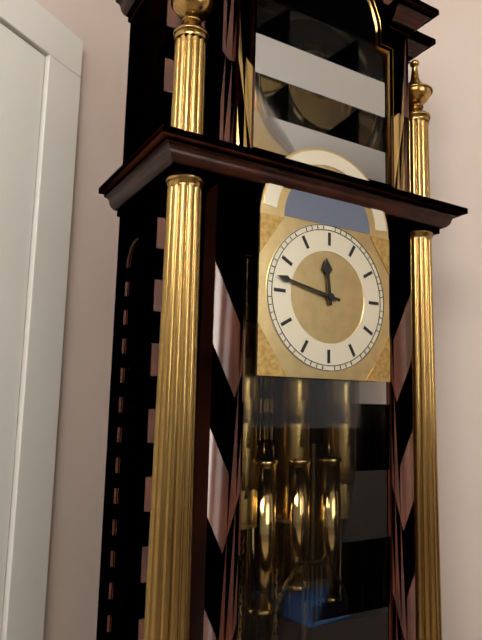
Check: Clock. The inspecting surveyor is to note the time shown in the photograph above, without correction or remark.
11:47
